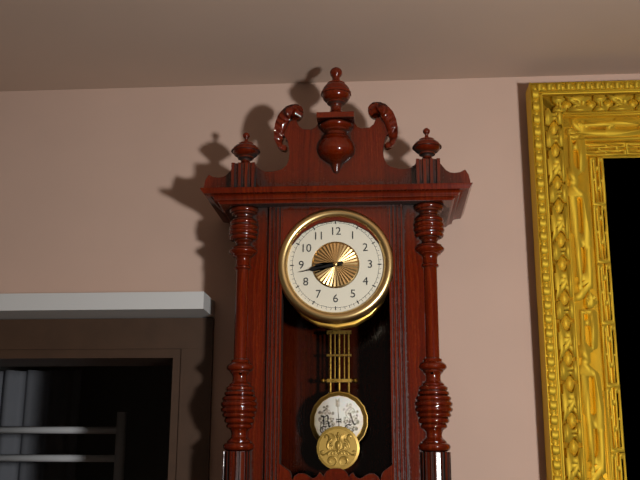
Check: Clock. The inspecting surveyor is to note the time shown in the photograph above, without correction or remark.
8:43
